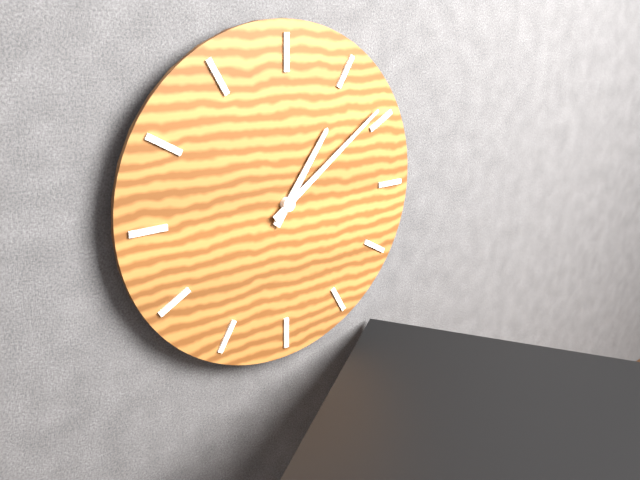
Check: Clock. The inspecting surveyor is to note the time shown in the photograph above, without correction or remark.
1:09
